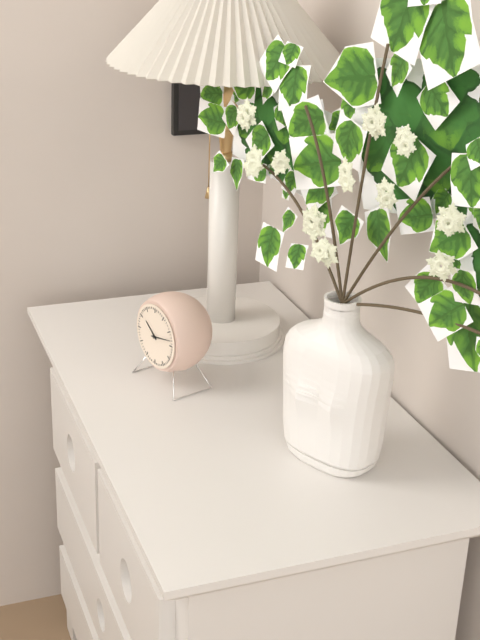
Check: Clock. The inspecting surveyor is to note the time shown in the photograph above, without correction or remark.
10:13
